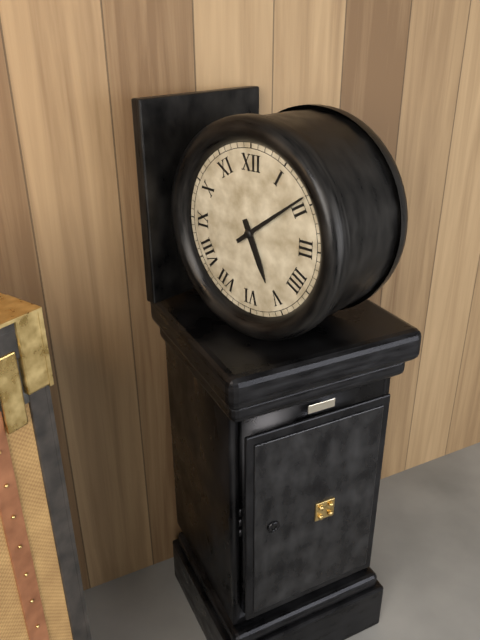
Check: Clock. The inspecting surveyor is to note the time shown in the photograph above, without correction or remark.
5:09
